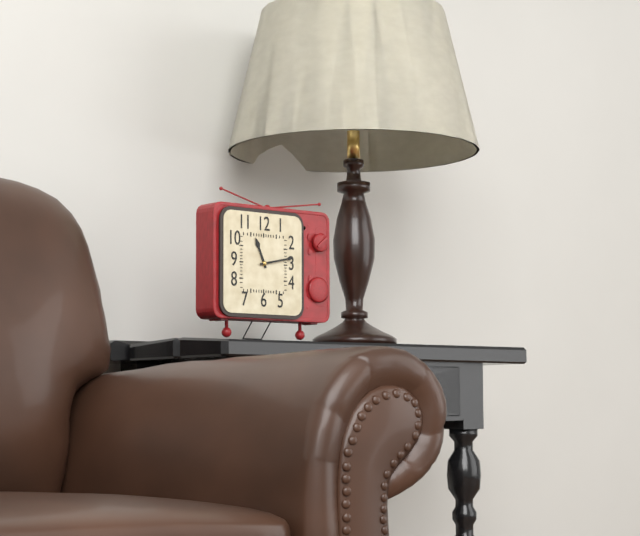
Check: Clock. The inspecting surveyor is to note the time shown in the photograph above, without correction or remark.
11:13
